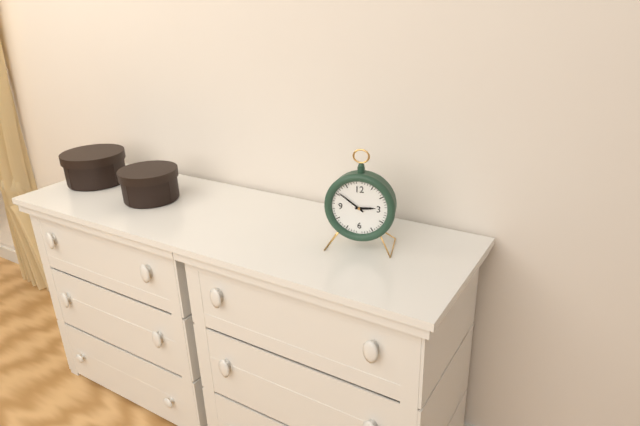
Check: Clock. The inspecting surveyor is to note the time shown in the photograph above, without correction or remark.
2:51
